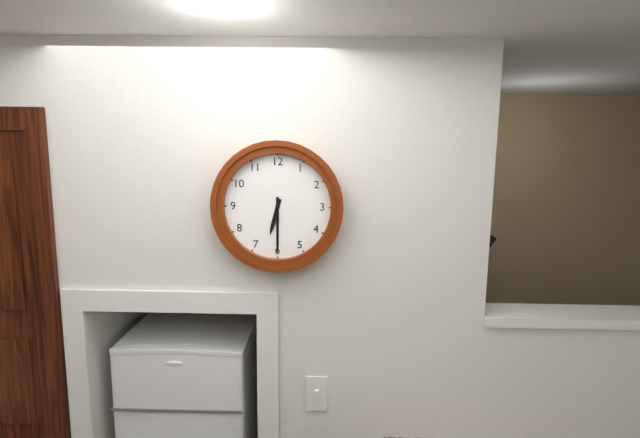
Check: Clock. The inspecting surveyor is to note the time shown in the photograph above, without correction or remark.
6:30
